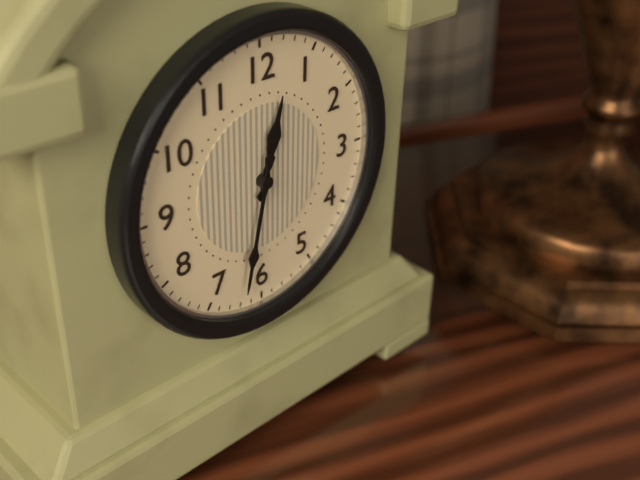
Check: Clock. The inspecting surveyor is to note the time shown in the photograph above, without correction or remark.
12:32
